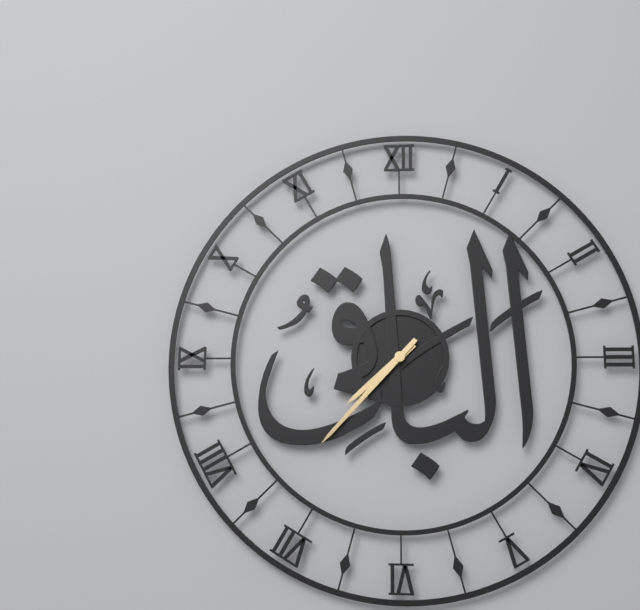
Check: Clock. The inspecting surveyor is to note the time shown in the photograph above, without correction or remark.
7:37
